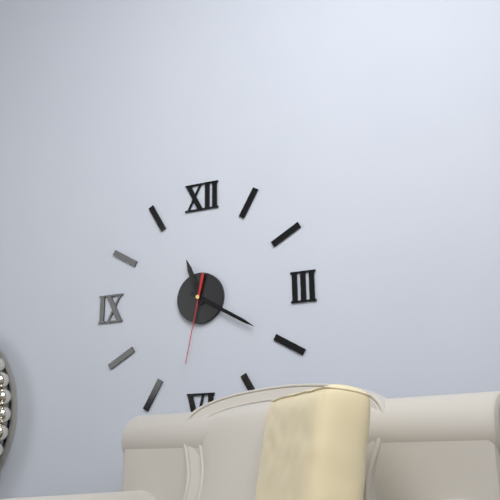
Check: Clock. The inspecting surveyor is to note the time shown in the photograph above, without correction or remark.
11:20:32
